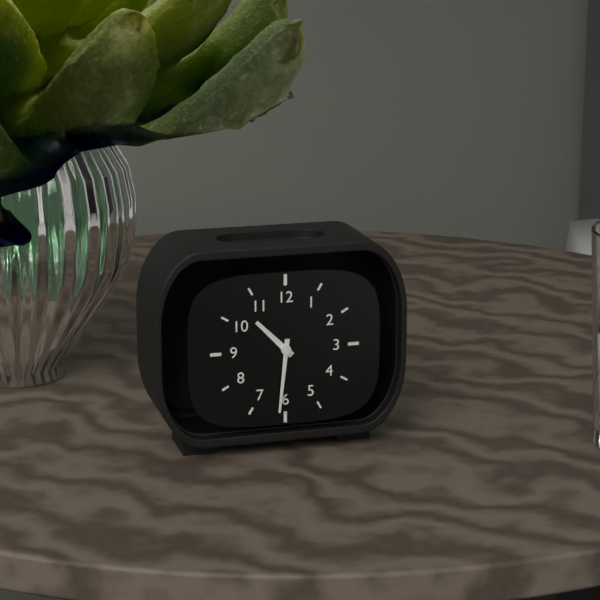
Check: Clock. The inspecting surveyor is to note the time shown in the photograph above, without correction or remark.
10:31
